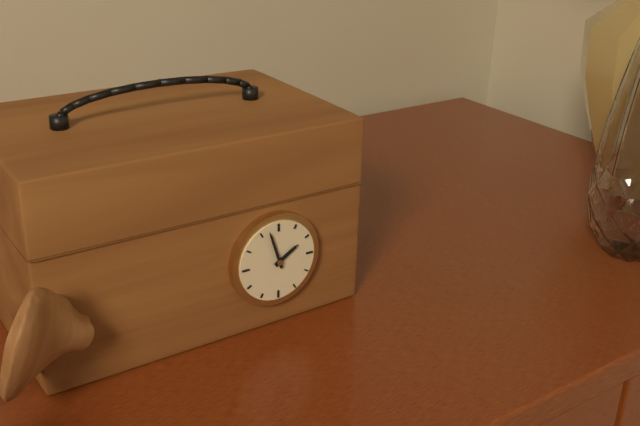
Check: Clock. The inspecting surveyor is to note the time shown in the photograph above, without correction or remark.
1:57
